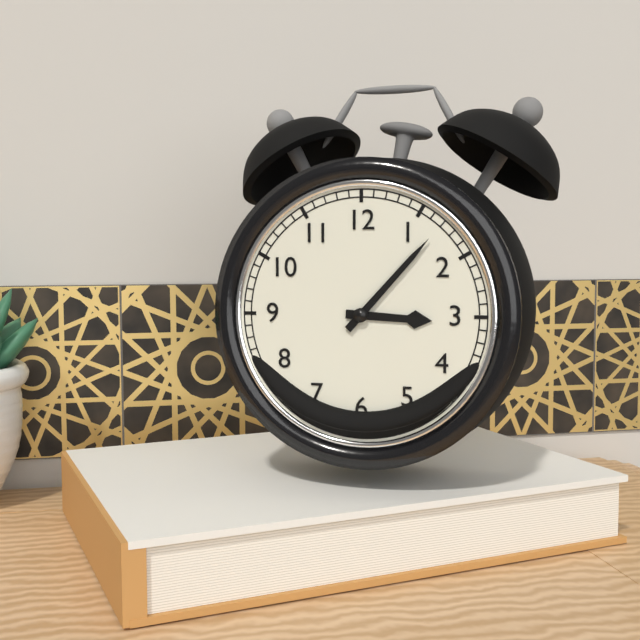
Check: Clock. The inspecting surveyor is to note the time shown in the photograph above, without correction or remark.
3:07
